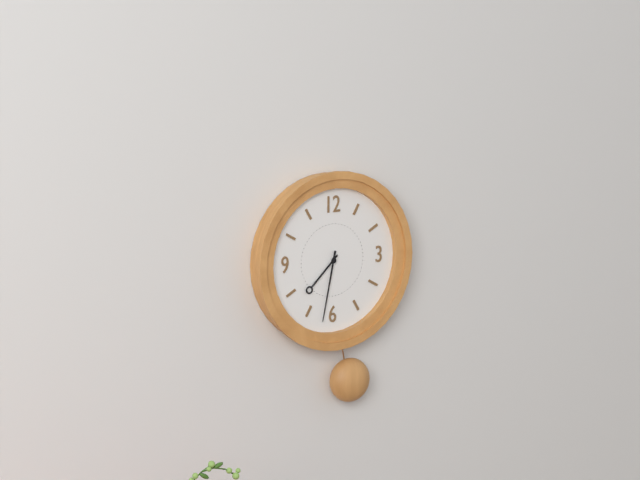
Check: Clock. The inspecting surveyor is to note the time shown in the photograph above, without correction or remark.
7:32
